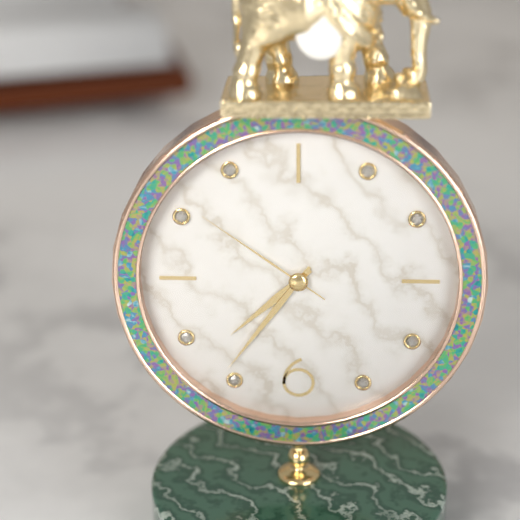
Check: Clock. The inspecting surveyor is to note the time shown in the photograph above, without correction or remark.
7:36:51
